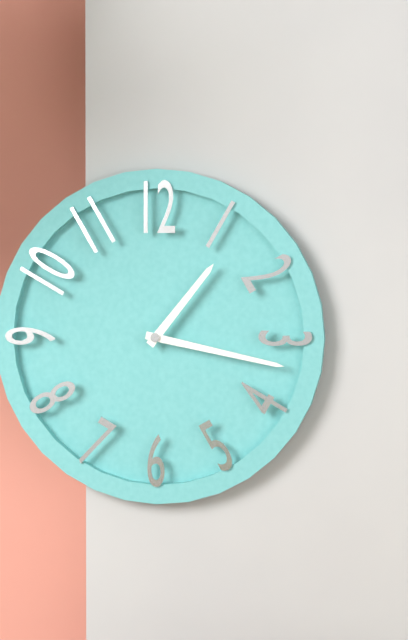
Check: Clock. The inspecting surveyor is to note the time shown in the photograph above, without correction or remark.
1:17
